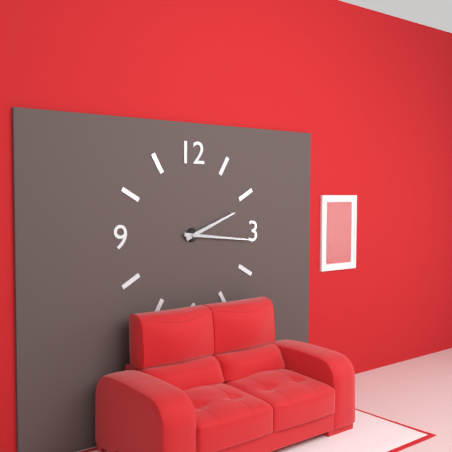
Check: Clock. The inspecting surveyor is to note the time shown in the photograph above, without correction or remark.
2:16
